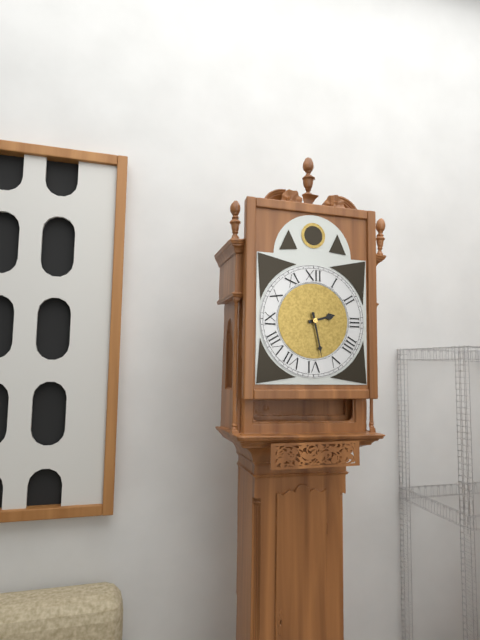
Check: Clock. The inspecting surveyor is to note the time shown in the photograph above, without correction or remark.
2:28
